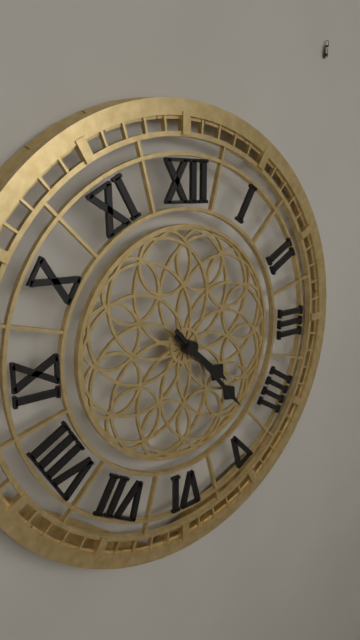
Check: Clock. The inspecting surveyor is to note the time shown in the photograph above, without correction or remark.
4:23
